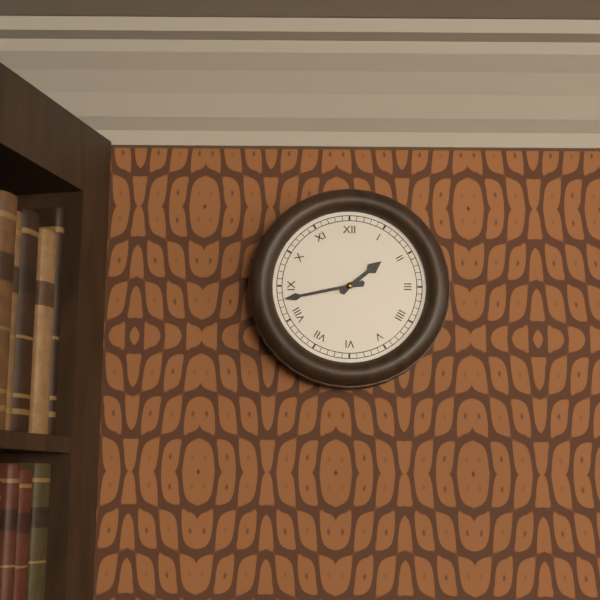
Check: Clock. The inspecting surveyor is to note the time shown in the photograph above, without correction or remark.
1:43
